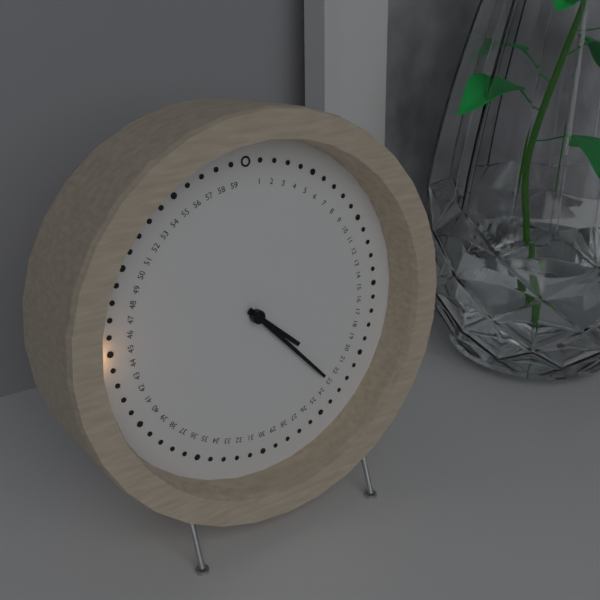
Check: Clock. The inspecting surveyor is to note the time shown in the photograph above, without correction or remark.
4:23
